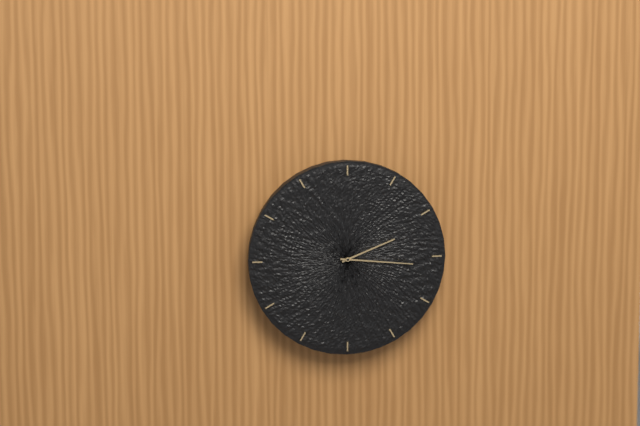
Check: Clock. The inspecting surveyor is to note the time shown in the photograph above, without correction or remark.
2:16
